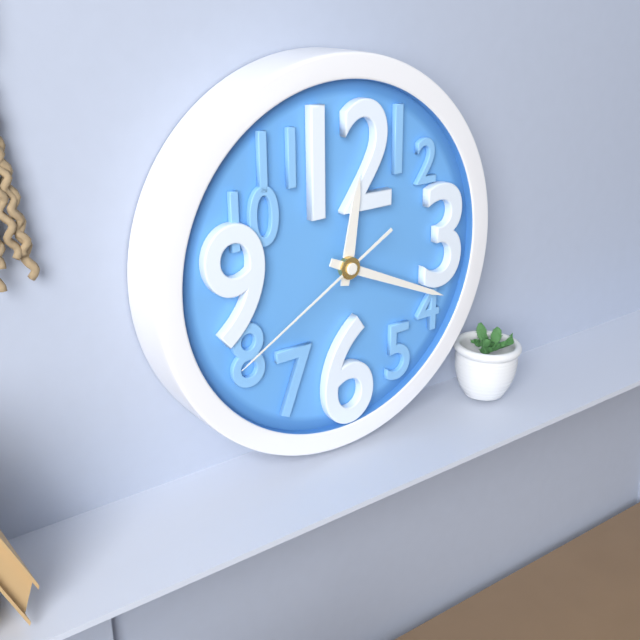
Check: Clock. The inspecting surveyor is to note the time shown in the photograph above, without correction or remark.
12:19:40
